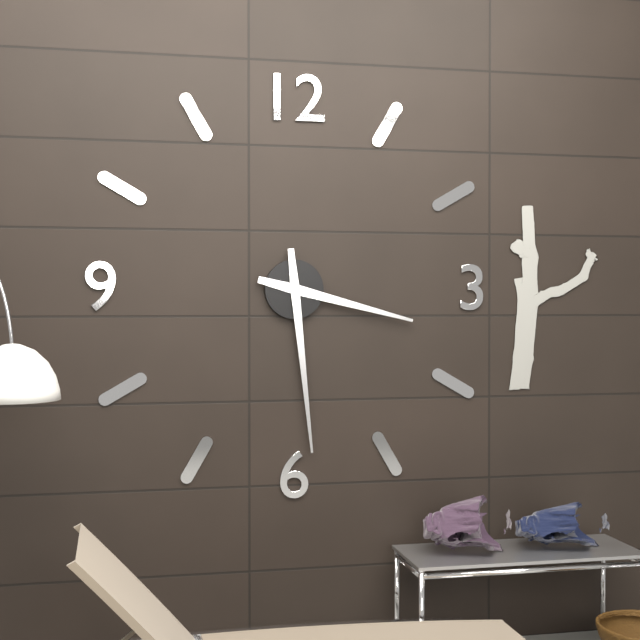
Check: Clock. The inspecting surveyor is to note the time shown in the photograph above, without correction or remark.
3:29
